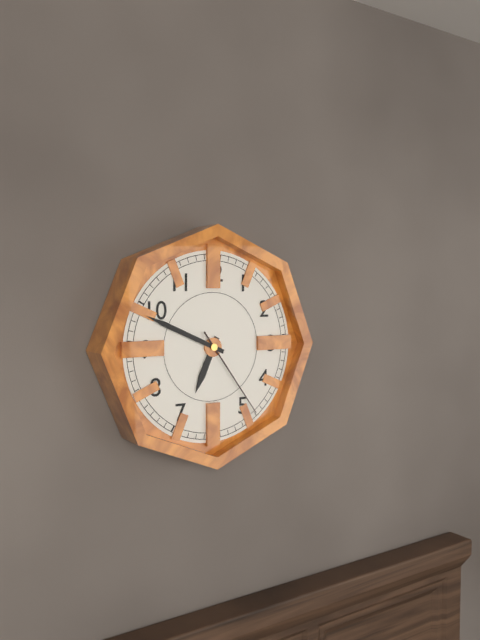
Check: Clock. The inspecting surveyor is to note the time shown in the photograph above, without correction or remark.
6:49:24
